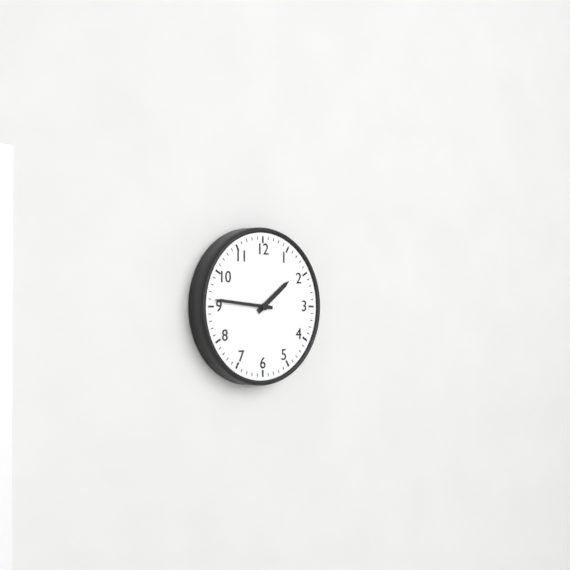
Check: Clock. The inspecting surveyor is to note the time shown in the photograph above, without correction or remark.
1:46
